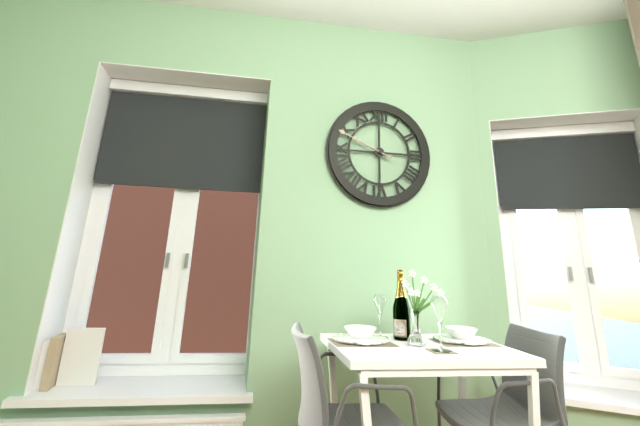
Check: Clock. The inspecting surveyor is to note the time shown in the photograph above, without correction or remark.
9:49
